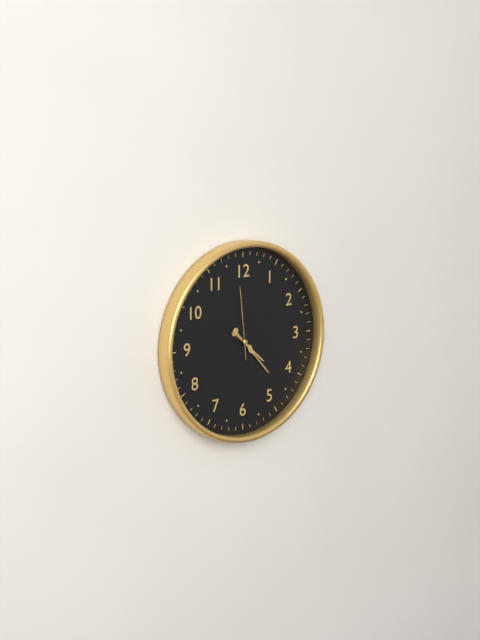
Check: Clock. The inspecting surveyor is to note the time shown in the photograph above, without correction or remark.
4:23:59
